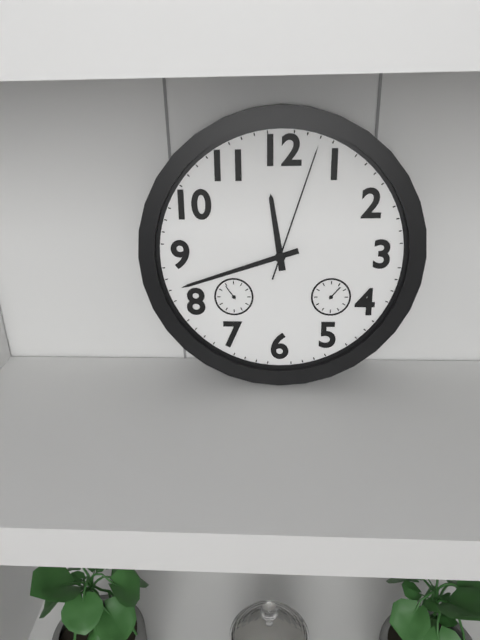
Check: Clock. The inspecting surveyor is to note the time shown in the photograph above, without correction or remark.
11:42:03
